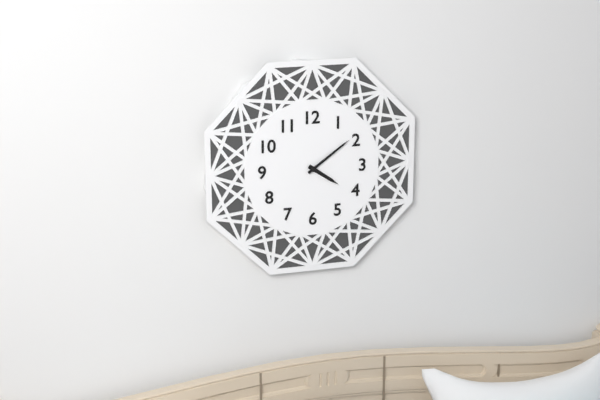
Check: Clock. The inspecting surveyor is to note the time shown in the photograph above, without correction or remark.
4:09
